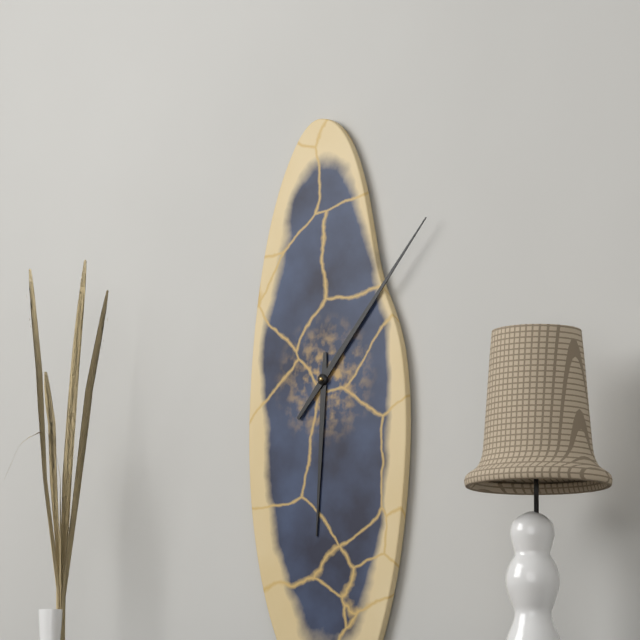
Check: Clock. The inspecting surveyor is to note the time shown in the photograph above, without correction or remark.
6:07
